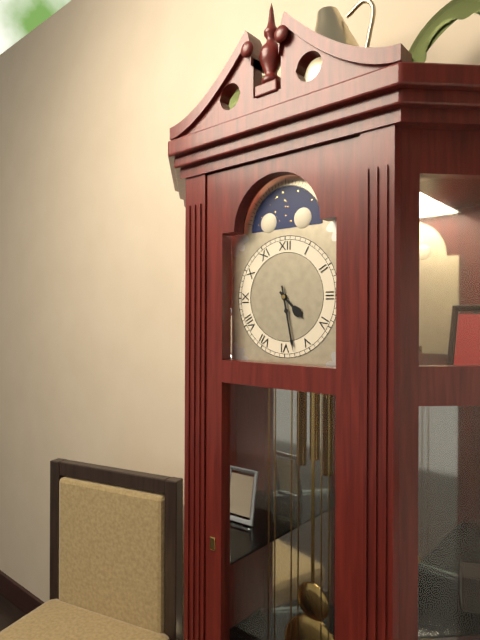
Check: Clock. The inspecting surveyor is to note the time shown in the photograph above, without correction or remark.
4:28
